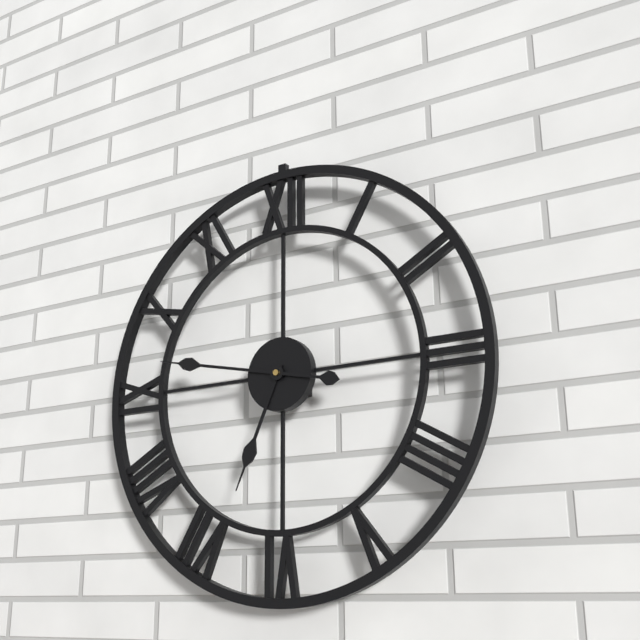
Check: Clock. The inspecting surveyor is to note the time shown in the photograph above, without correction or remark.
6:47
